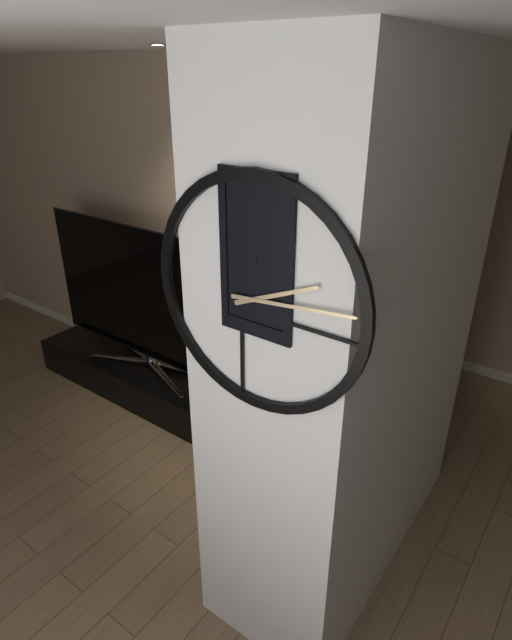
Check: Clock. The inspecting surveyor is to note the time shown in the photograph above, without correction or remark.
2:14
